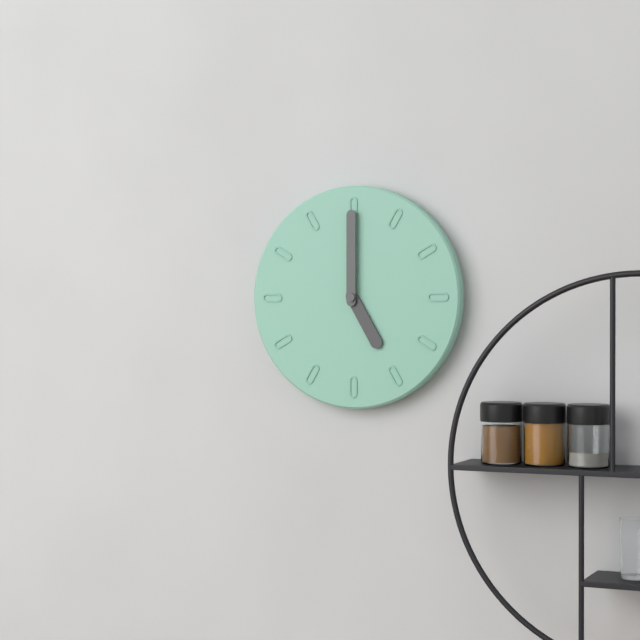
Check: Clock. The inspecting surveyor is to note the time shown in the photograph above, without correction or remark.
5:00
